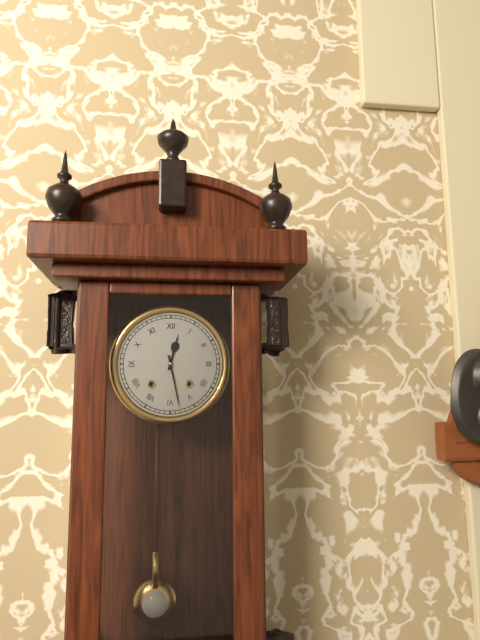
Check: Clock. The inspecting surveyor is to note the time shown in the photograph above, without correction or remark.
12:28
